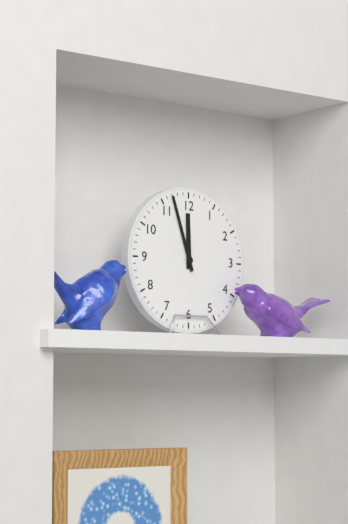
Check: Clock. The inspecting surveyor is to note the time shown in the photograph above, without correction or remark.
11:57
